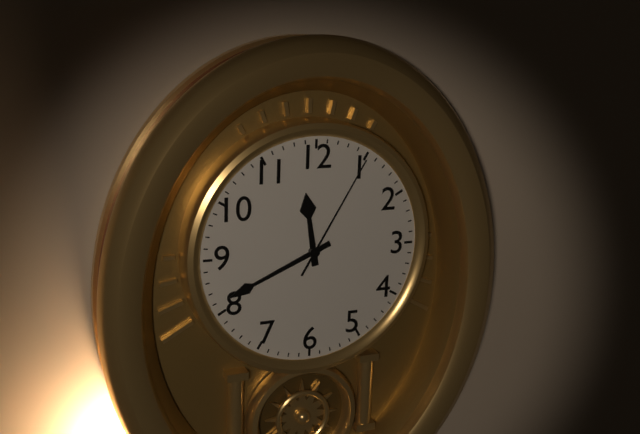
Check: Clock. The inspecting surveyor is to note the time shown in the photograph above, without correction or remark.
11:41:05
